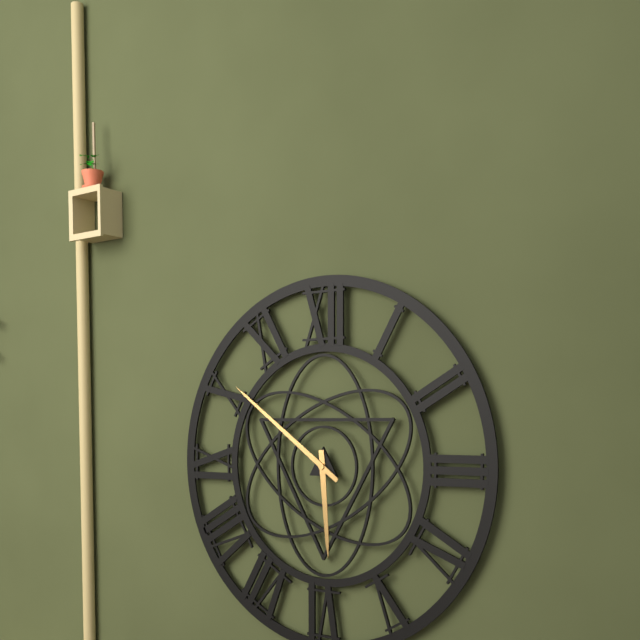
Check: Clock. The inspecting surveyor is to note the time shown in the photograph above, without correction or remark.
5:51
